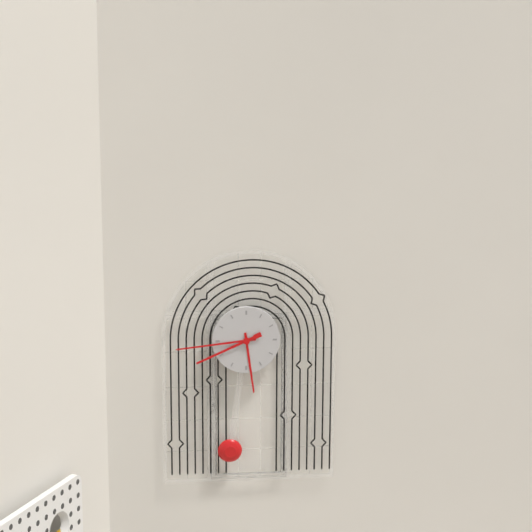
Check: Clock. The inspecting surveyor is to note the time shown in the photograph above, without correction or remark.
5:44:41
